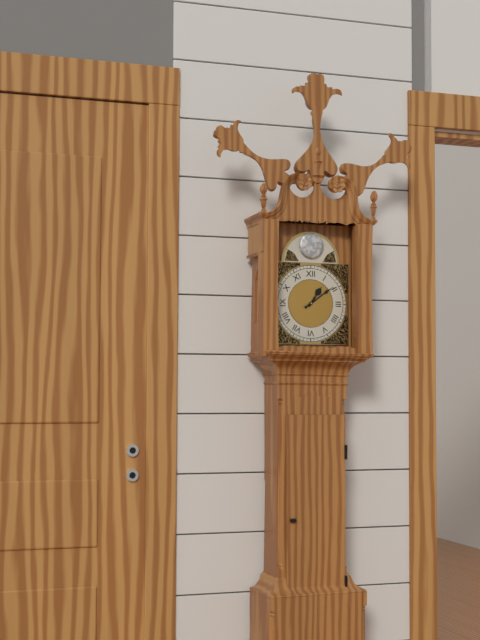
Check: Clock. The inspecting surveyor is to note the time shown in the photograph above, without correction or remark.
1:09
